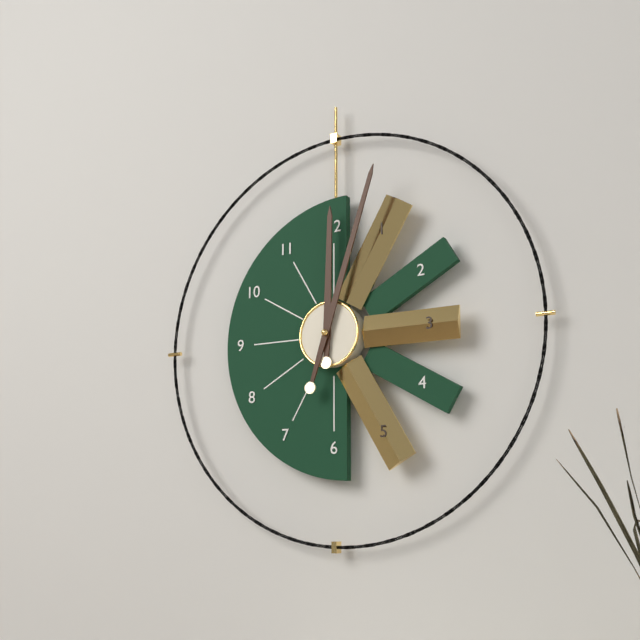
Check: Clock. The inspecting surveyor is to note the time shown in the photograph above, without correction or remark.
12:03
